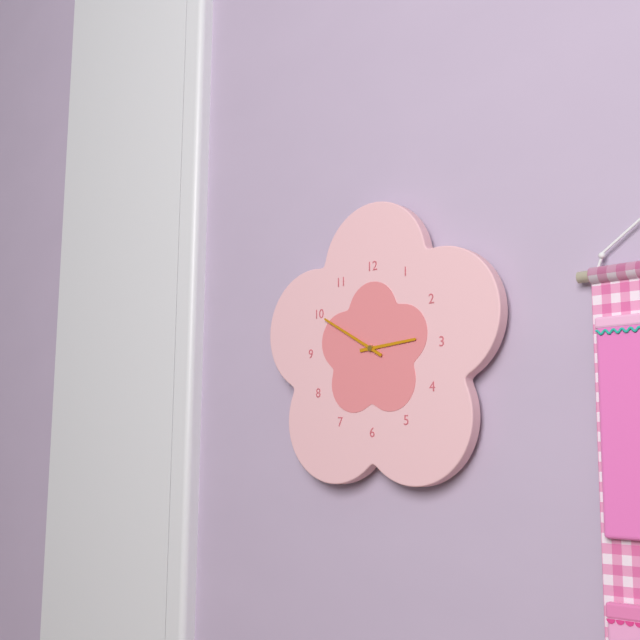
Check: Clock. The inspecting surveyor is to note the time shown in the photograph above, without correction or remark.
2:50
